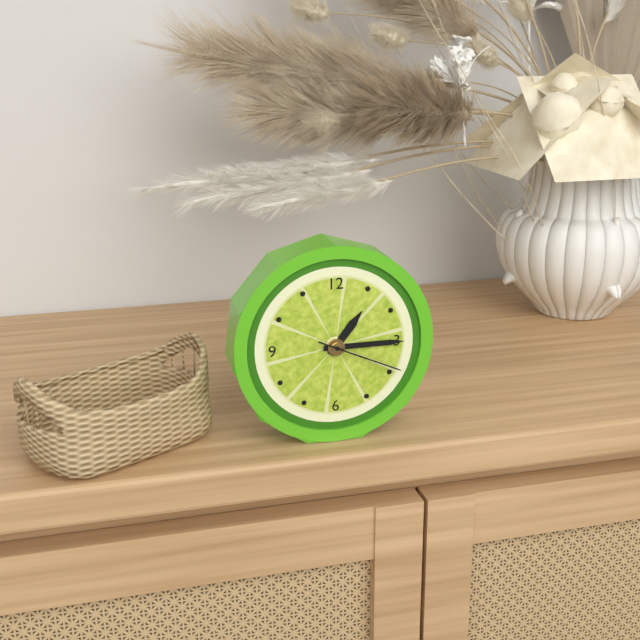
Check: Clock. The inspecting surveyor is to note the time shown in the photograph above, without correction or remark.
1:15:19
